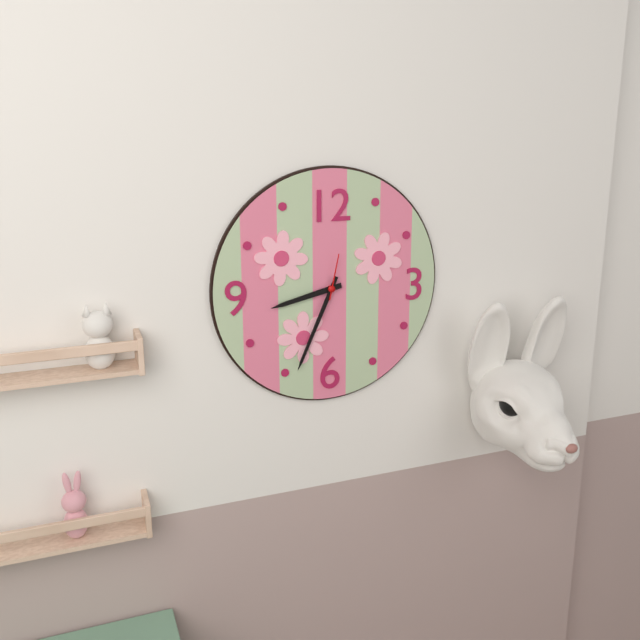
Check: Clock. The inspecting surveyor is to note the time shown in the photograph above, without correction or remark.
8:34
